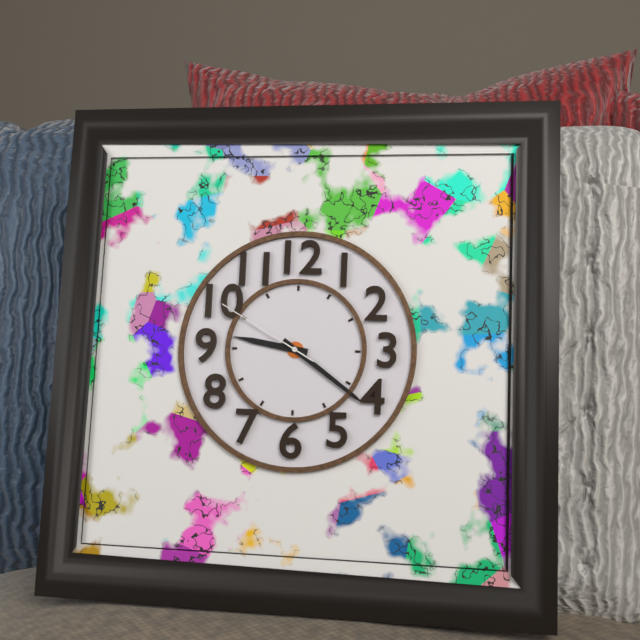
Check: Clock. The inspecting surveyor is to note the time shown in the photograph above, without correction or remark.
9:21:50
